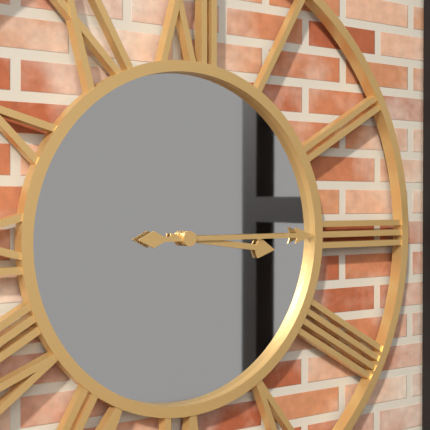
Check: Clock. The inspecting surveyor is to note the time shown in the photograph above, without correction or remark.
3:15
